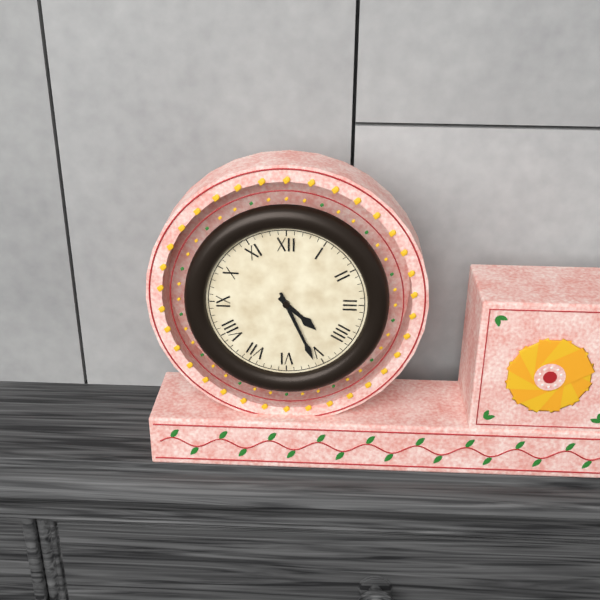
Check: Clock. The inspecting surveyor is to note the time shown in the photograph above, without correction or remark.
4:26
